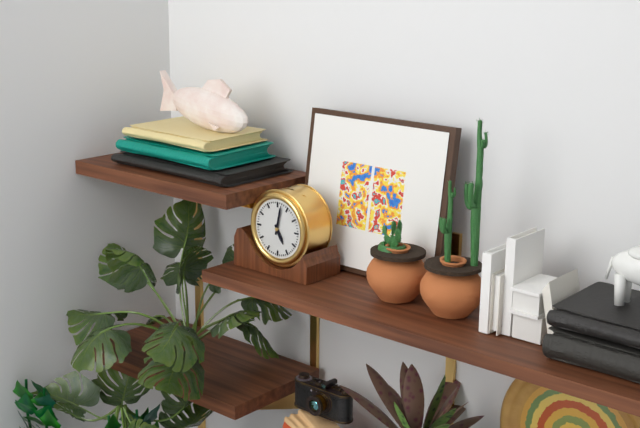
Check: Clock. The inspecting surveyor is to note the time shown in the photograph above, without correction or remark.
5:02
